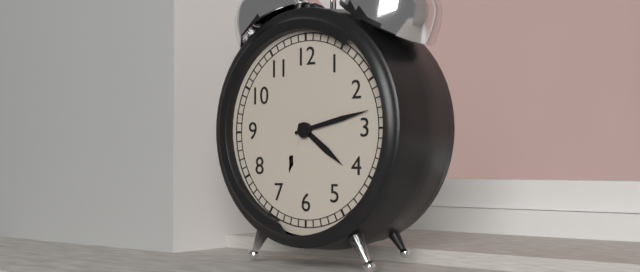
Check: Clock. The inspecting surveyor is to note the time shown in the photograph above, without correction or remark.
4:13
